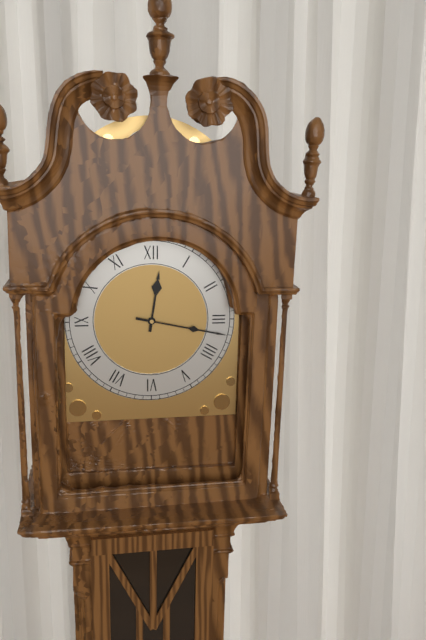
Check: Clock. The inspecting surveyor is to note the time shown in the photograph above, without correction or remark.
12:17
